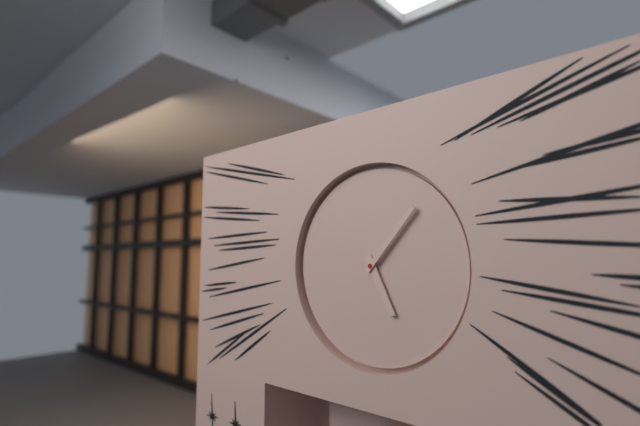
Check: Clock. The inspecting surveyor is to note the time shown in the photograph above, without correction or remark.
5:07
